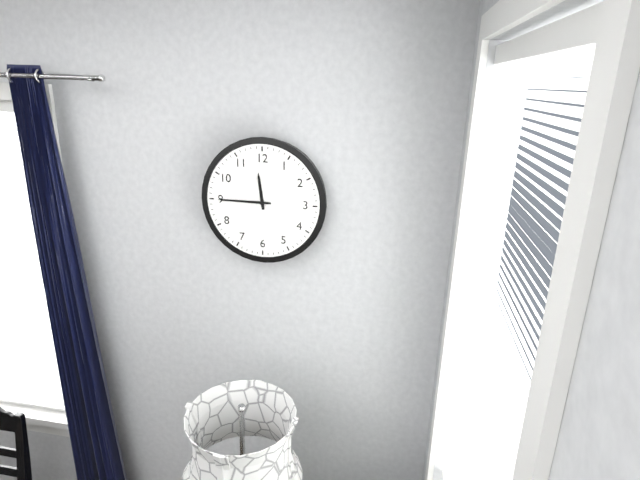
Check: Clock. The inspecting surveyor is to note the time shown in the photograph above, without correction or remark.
11:45
